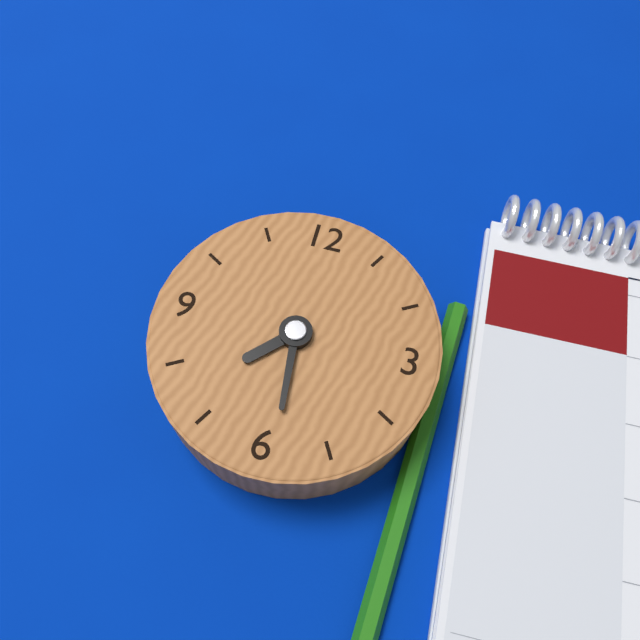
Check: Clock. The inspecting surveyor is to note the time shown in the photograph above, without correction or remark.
7:29
